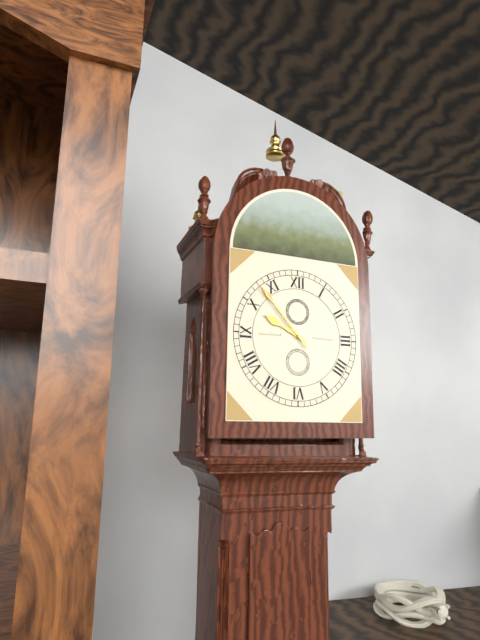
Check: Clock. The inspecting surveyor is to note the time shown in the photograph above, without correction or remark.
9:53
